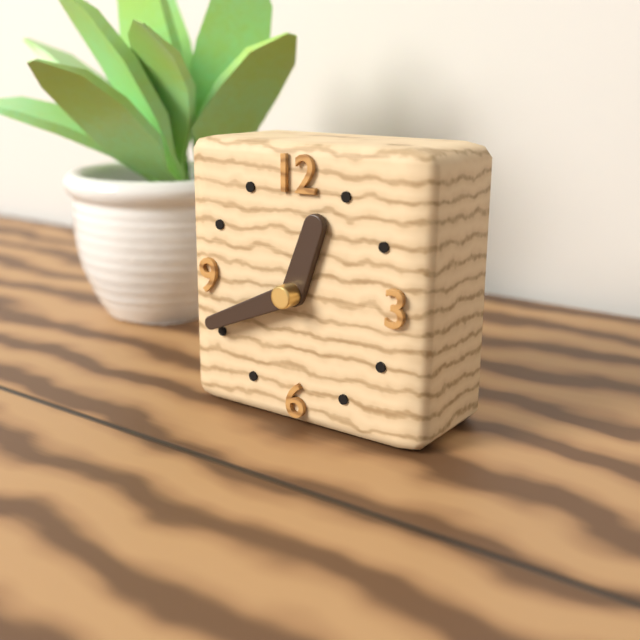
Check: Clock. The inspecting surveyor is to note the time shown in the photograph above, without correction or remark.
12:41
